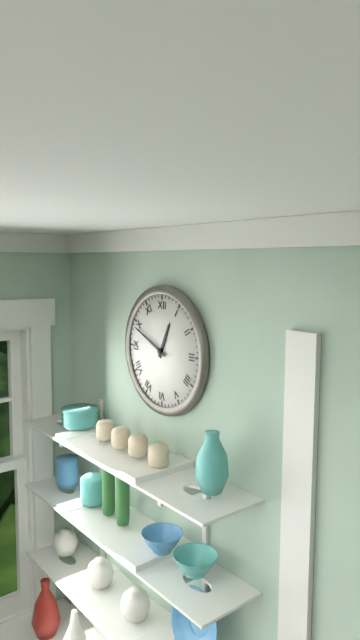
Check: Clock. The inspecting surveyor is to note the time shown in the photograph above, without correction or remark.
12:49
